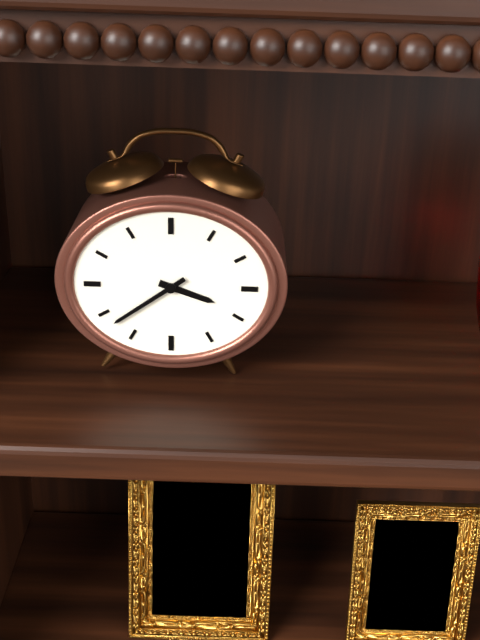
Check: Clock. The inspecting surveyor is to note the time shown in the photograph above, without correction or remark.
3:39
